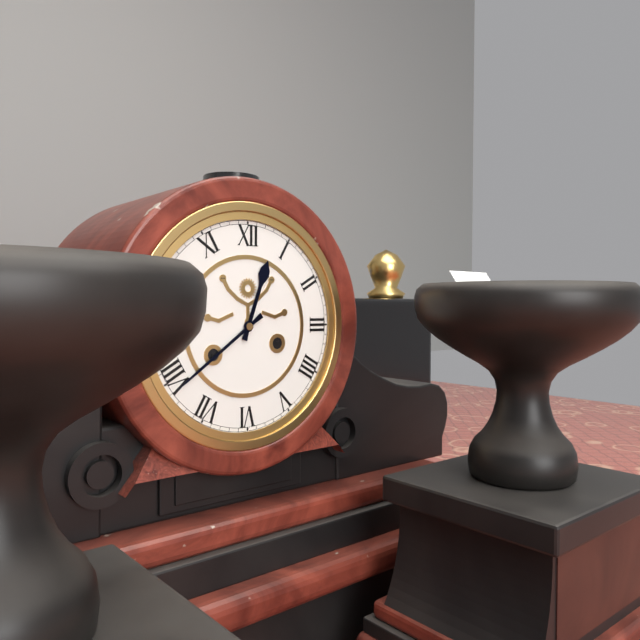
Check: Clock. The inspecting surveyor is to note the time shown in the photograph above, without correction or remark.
12:39
